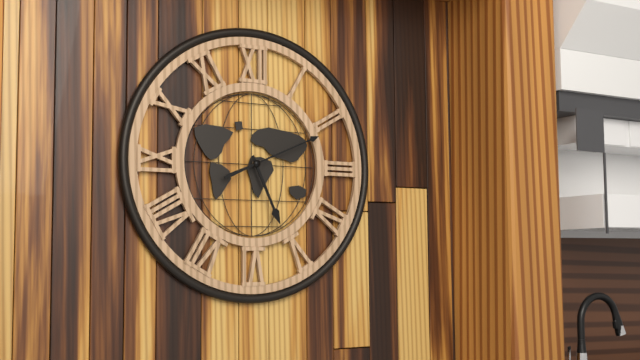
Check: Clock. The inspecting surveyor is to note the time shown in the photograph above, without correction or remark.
5:11
